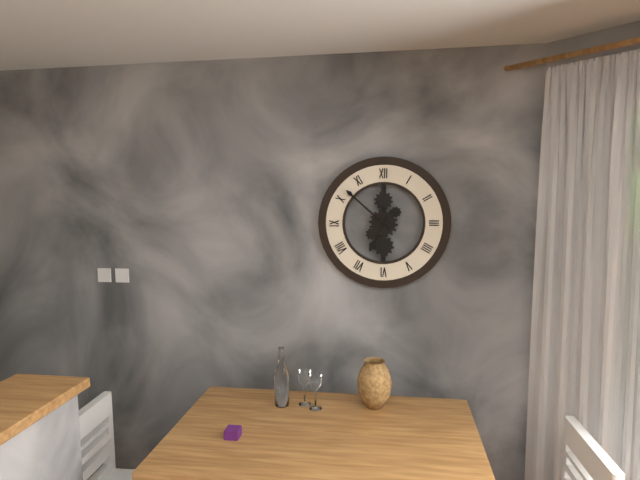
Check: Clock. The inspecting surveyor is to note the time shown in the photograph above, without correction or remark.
6:52
